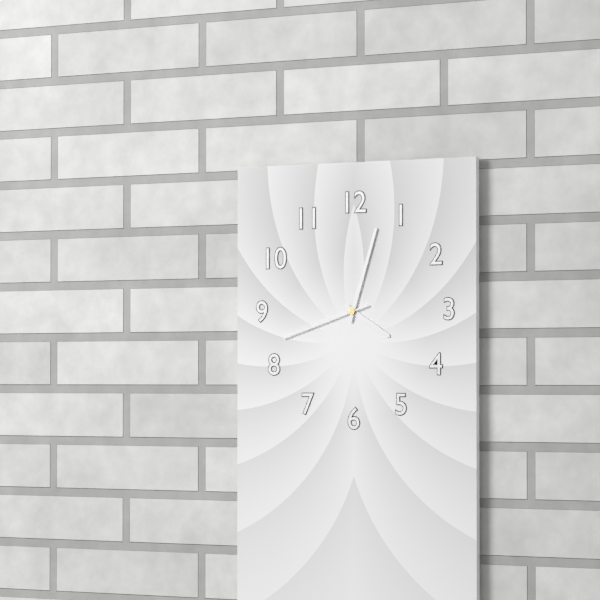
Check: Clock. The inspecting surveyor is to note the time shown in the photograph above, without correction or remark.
4:03:42
